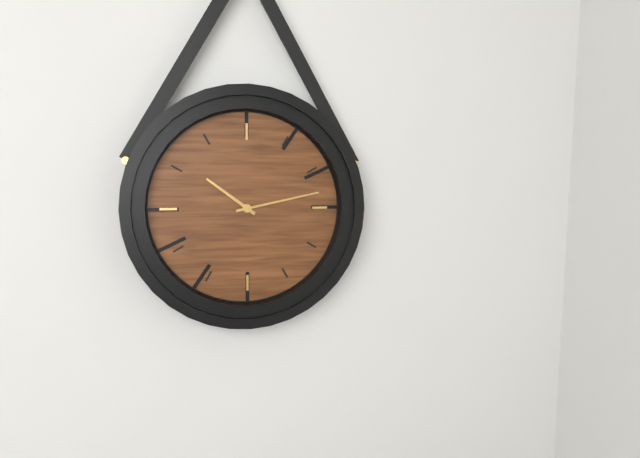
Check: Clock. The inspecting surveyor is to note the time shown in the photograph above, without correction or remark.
10:13
